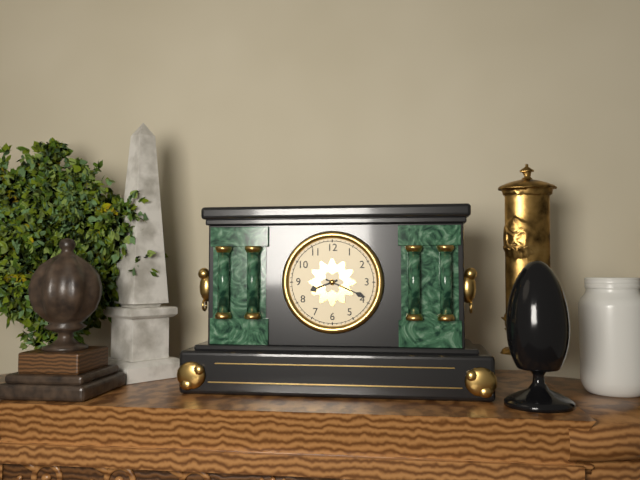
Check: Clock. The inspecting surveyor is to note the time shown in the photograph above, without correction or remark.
8:19
